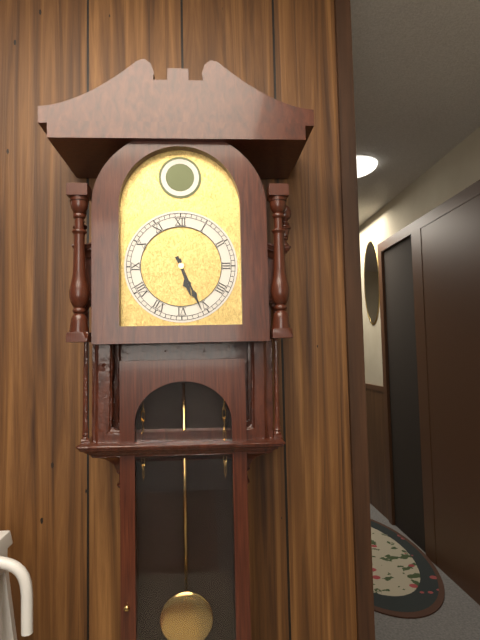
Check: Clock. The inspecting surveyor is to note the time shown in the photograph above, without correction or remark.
5:26
